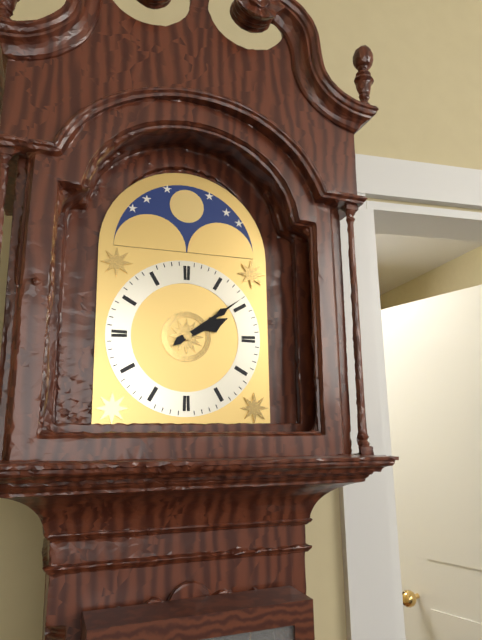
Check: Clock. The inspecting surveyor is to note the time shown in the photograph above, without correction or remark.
2:09
